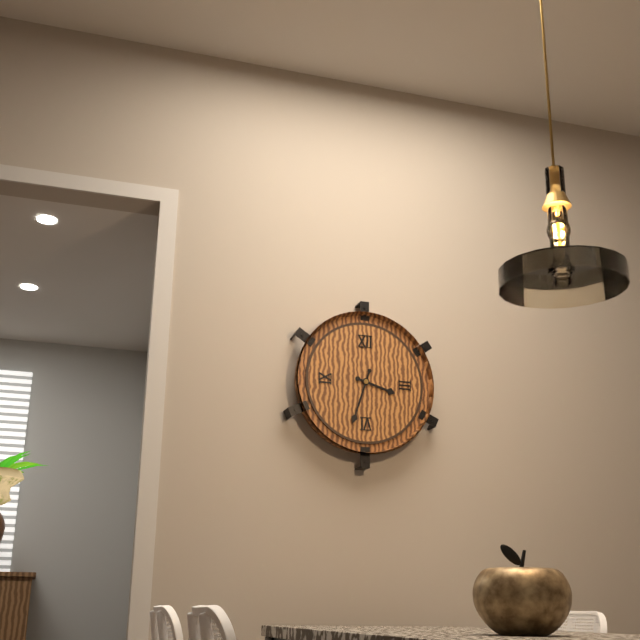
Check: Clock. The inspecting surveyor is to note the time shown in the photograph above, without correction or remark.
3:33
